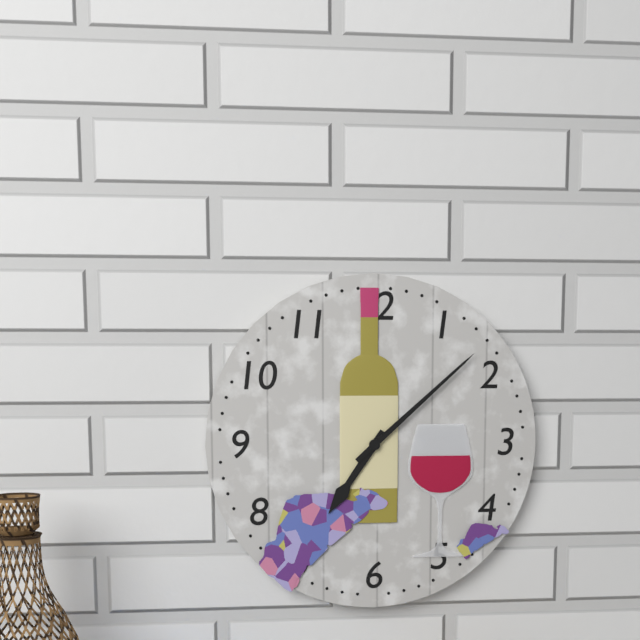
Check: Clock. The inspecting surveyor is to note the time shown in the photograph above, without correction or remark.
7:08
